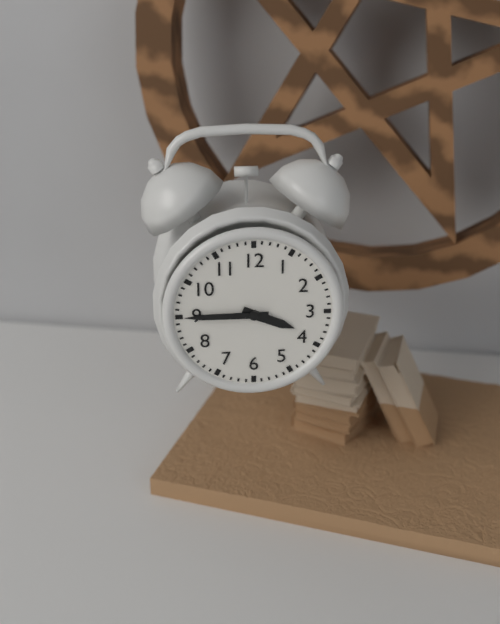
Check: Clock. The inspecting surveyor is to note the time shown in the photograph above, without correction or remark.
3:45
